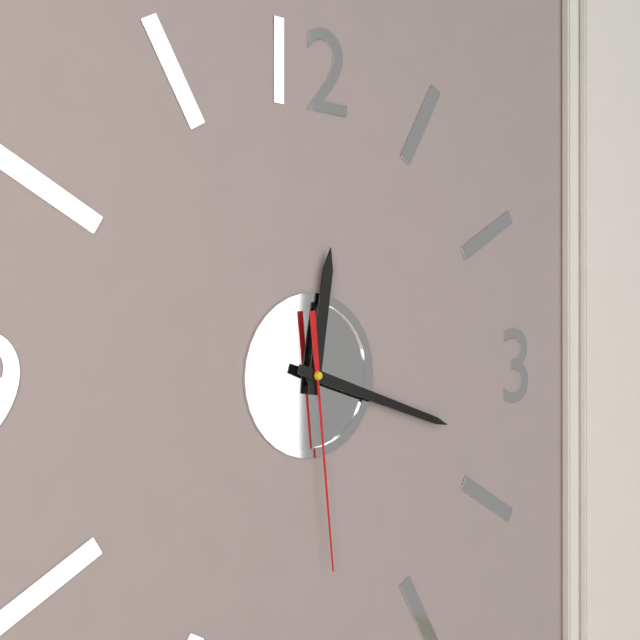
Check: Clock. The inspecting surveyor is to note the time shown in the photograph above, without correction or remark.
12:18:29
